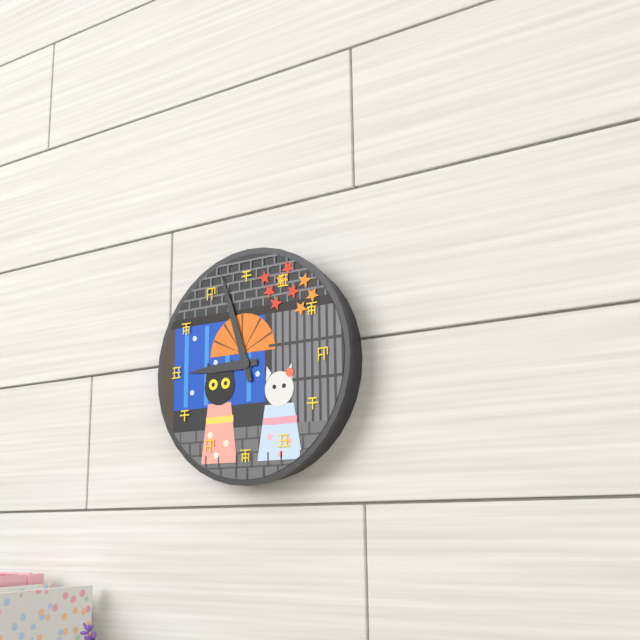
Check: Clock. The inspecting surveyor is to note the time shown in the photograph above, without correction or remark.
8:57
